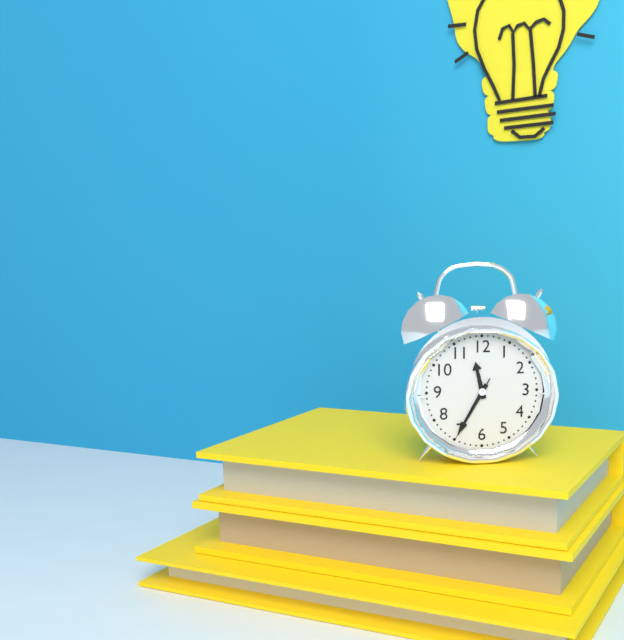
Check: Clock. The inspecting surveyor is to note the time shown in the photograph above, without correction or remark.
11:35:35
